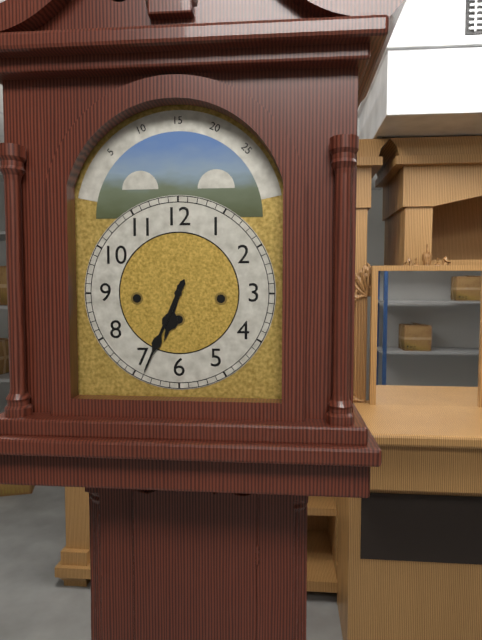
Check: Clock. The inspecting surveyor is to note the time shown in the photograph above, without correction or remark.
6:34
